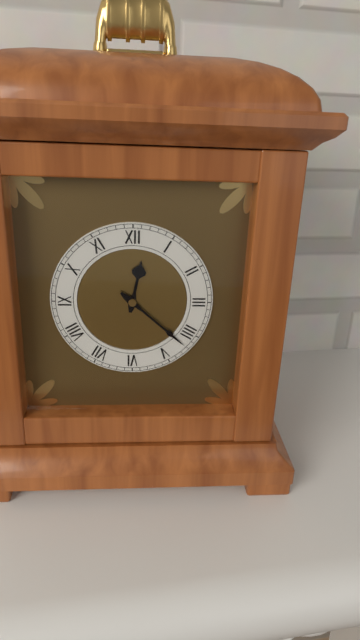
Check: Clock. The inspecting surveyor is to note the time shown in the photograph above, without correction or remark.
12:22
